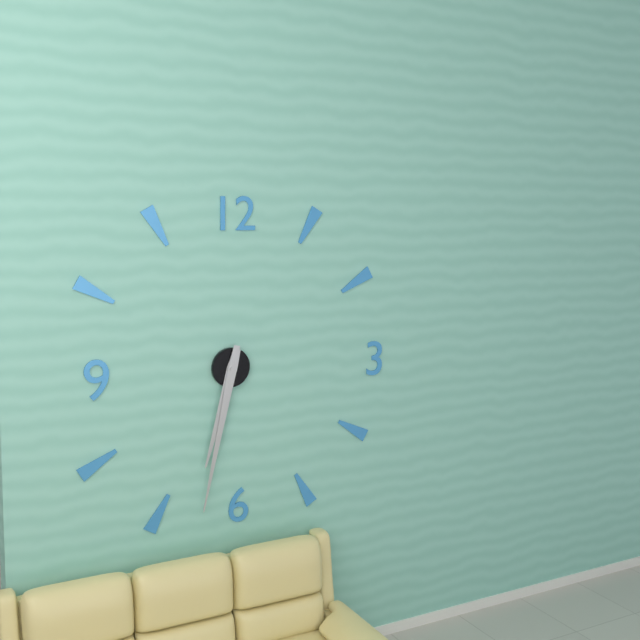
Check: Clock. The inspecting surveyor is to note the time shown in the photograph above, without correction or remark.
6:32
